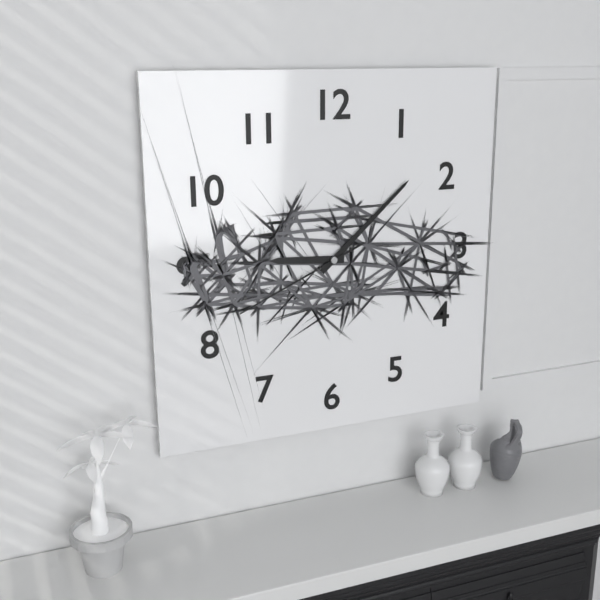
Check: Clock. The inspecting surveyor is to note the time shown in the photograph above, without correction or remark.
9:08:41
